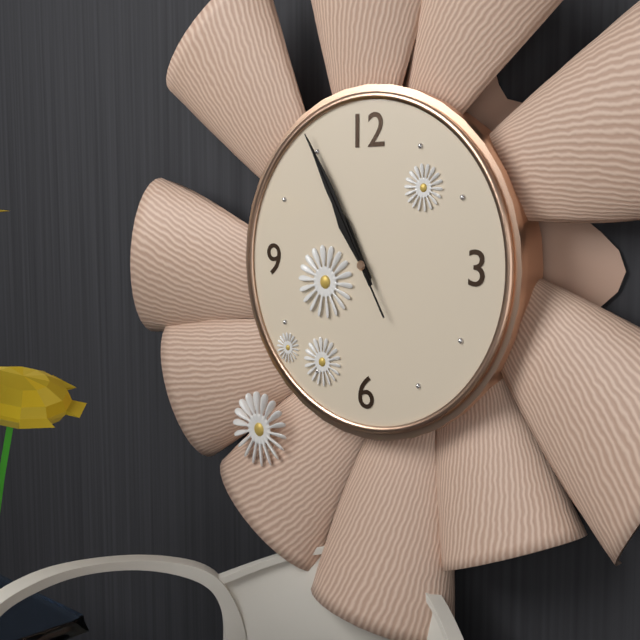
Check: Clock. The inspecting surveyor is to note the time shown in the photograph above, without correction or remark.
10:55:55
